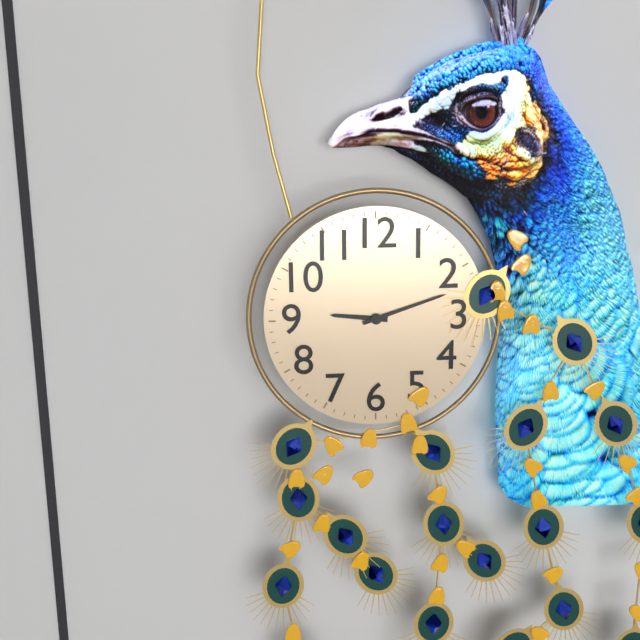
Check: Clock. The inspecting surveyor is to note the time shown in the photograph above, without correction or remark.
9:12
